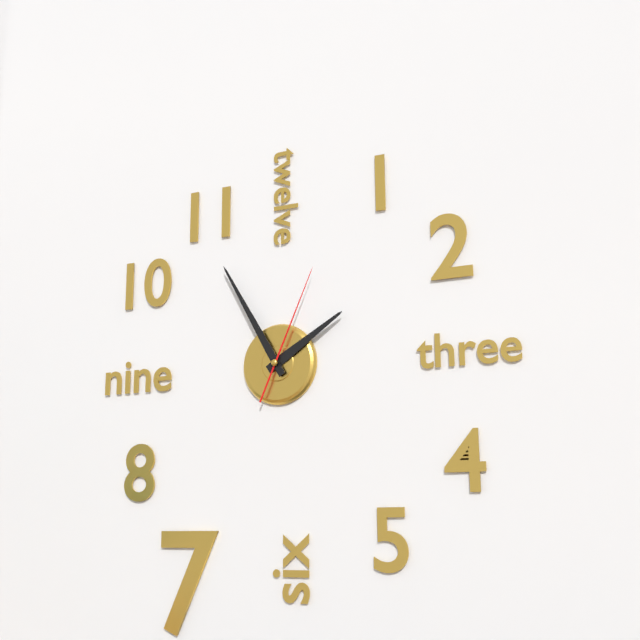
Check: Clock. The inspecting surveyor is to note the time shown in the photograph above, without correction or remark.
1:55:04
